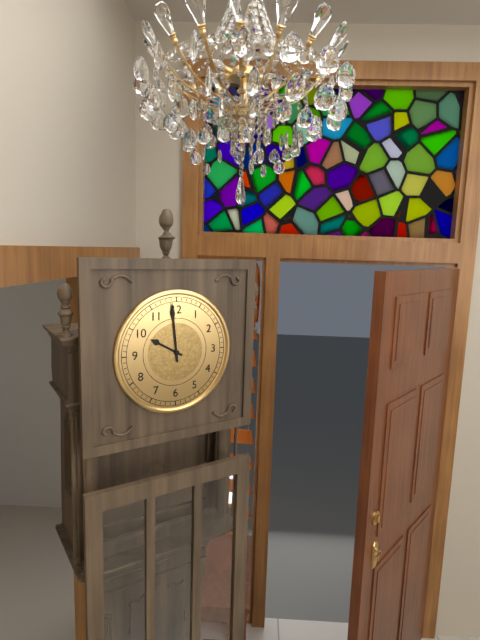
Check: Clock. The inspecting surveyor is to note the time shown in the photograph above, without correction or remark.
9:59
